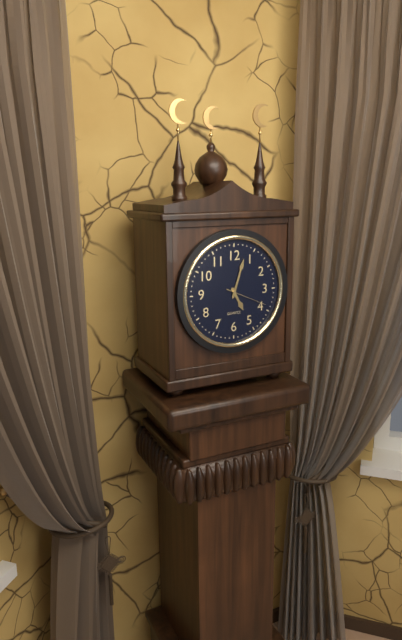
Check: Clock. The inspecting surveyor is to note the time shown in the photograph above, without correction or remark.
5:03
